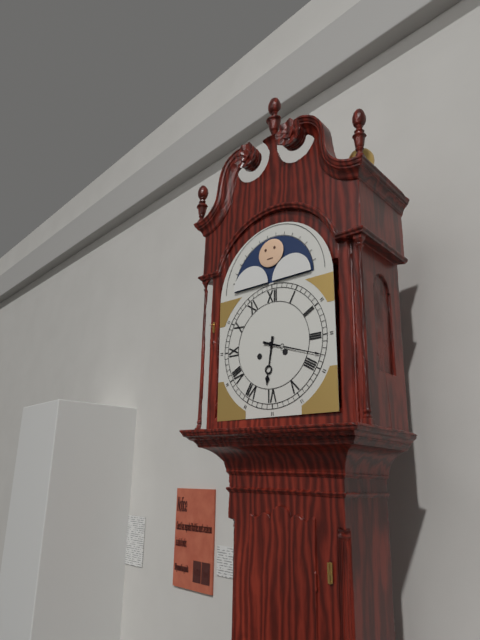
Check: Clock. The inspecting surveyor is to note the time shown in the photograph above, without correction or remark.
6:18
